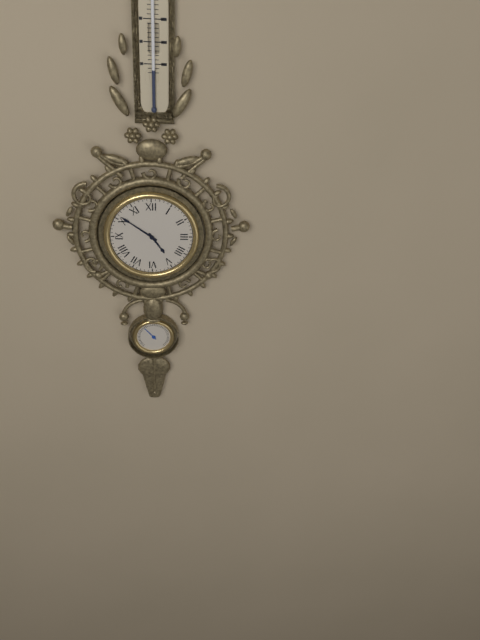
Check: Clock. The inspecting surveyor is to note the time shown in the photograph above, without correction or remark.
4:51
